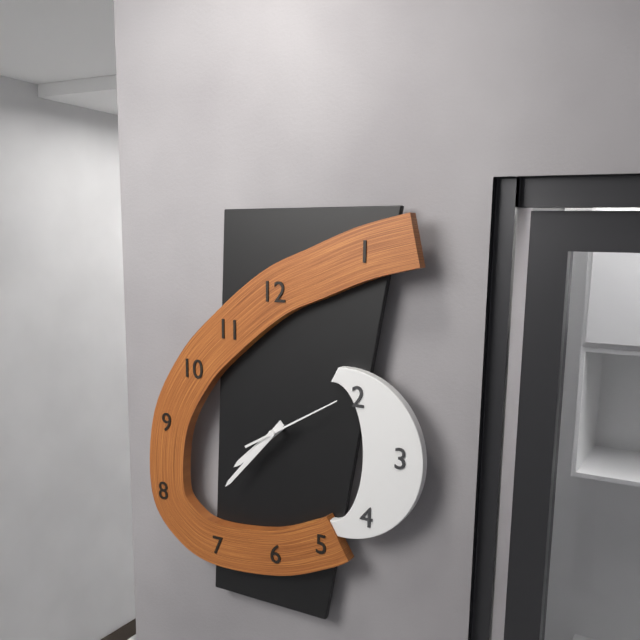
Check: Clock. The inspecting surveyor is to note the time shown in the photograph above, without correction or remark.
7:37:10
